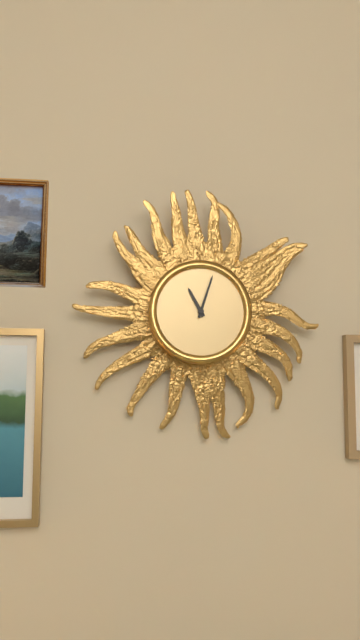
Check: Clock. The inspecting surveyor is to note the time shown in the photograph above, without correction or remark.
11:03
